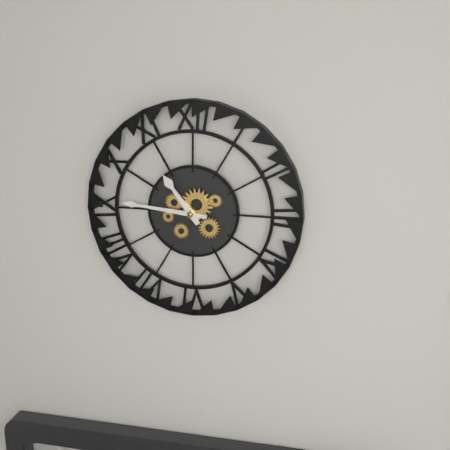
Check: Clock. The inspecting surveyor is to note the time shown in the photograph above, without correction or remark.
10:46
